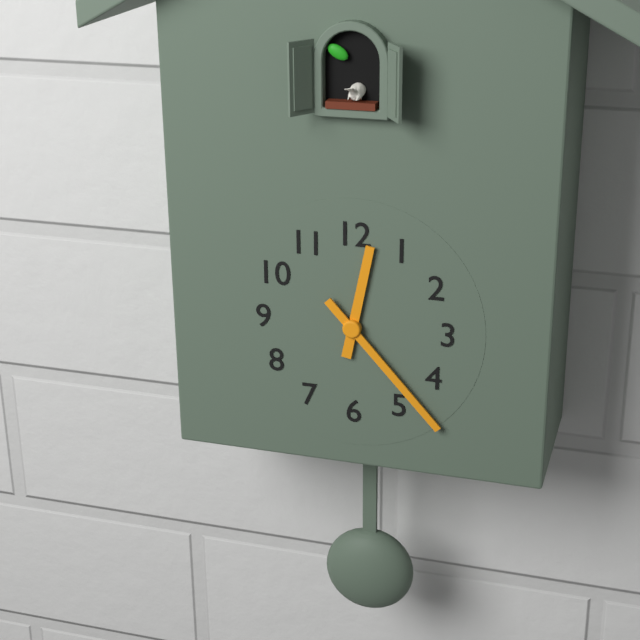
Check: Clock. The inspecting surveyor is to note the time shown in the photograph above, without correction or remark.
12:23
